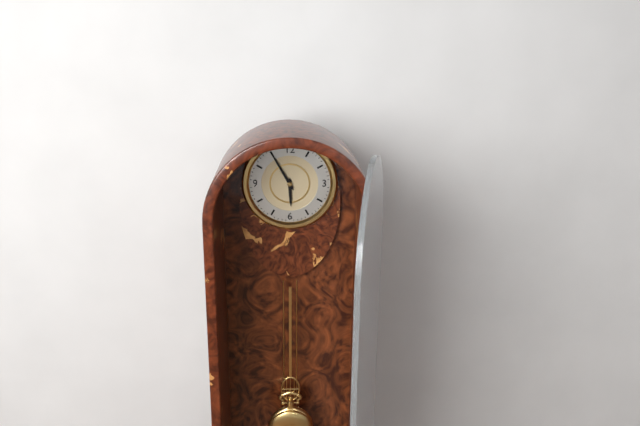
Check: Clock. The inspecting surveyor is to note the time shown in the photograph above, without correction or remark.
5:55
